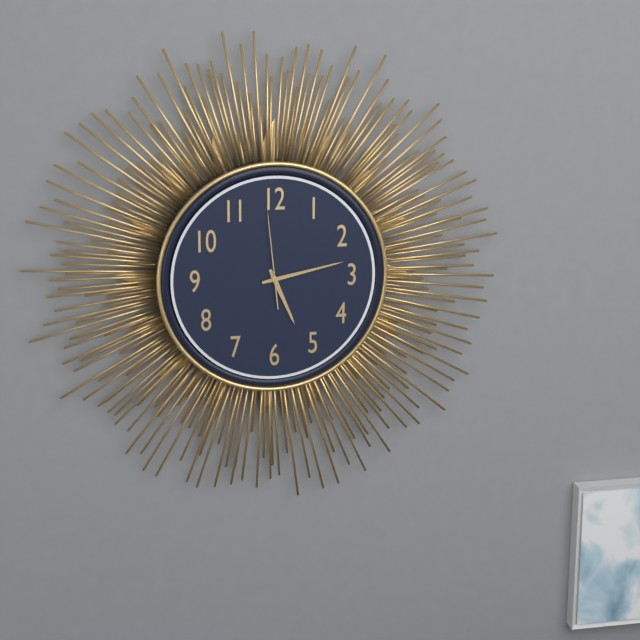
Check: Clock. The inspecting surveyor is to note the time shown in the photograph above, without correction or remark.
5:13:59
